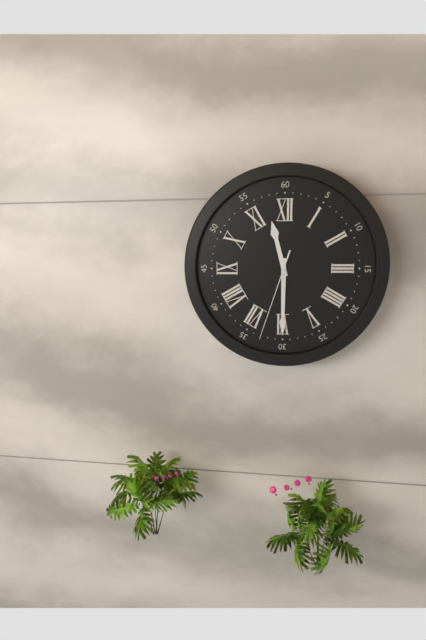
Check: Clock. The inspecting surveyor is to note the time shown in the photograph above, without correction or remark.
11:30:33
